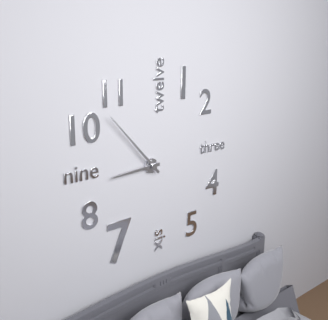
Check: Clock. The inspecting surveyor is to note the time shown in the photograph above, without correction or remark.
8:53
